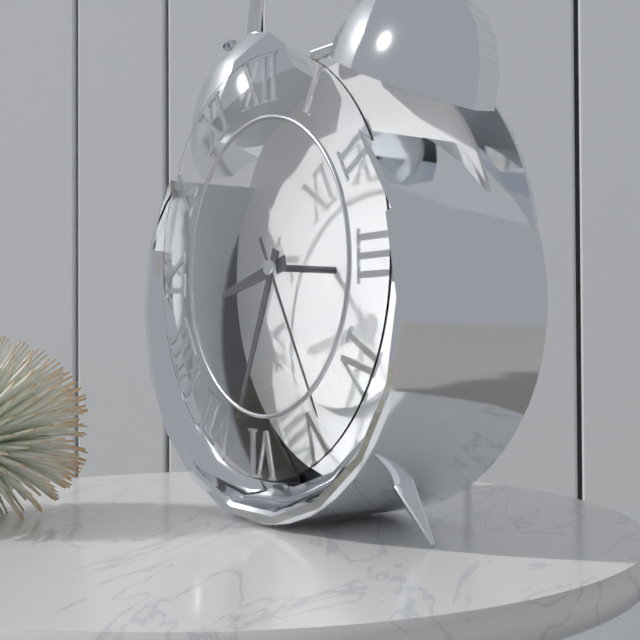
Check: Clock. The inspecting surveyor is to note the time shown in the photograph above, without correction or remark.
8:34:25
